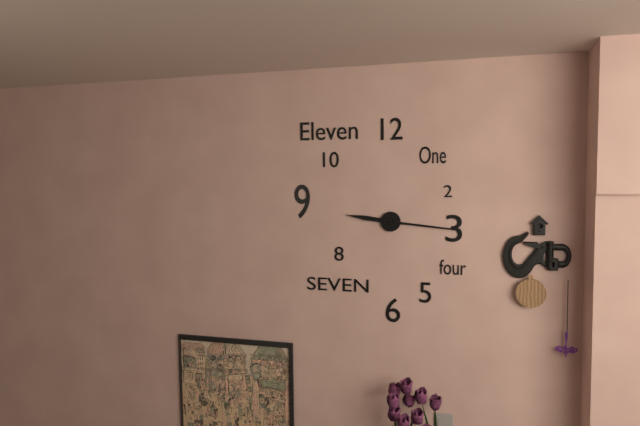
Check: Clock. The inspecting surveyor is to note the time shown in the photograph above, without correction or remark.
9:16
